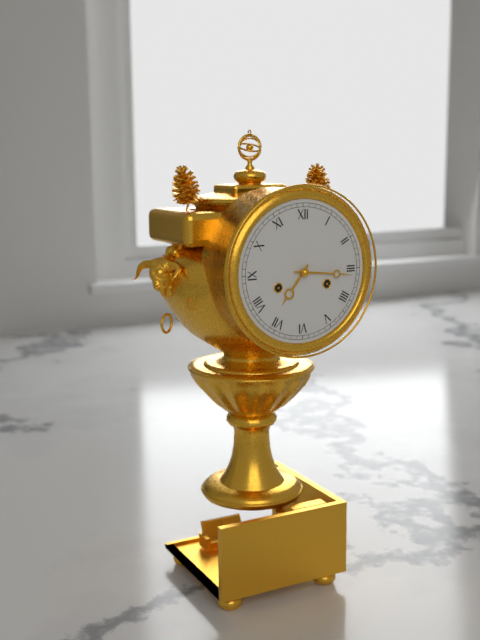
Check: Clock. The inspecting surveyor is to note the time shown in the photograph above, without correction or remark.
7:16
